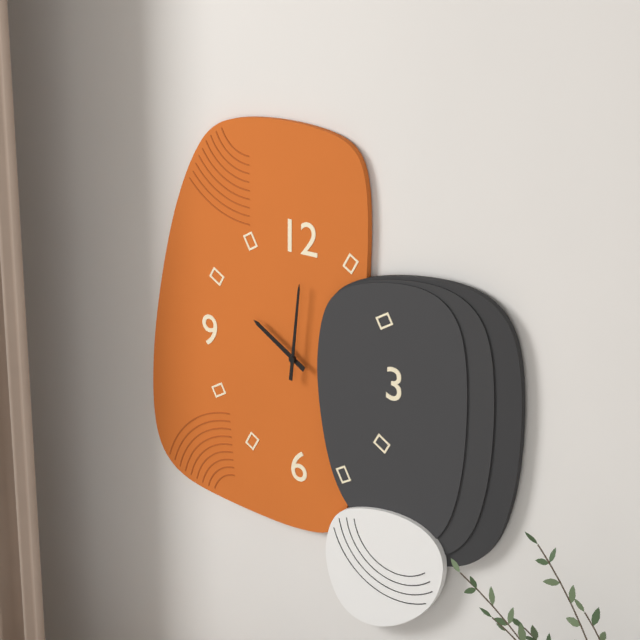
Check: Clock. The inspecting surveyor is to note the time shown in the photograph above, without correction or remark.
10:01
